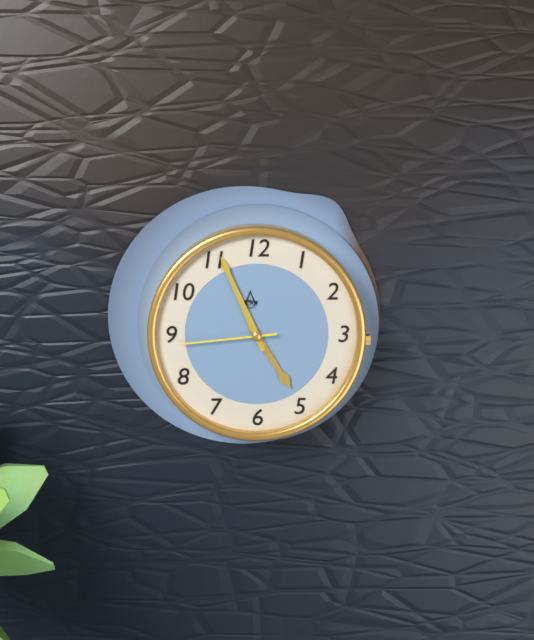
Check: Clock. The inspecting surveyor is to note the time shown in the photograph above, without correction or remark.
4:56:44
